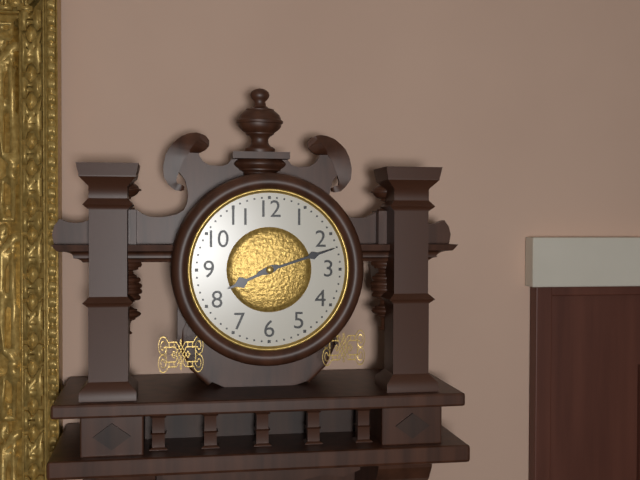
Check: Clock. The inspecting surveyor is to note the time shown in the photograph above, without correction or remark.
8:12
